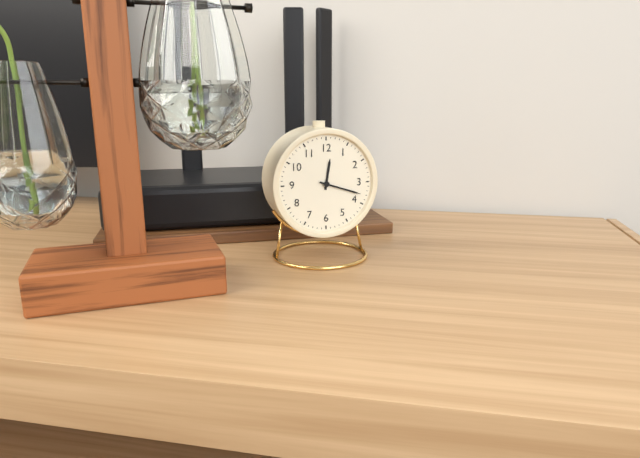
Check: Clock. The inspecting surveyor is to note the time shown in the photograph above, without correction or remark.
12:18
